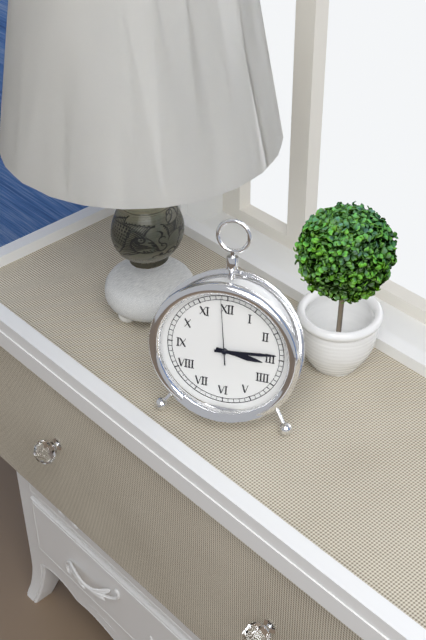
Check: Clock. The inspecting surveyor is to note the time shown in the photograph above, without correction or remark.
3:14:59
